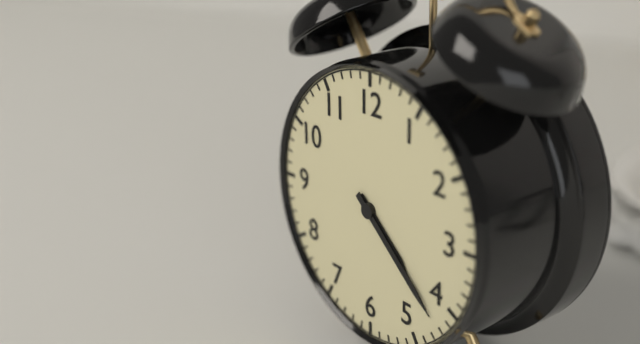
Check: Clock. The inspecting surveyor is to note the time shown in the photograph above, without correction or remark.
4:22
